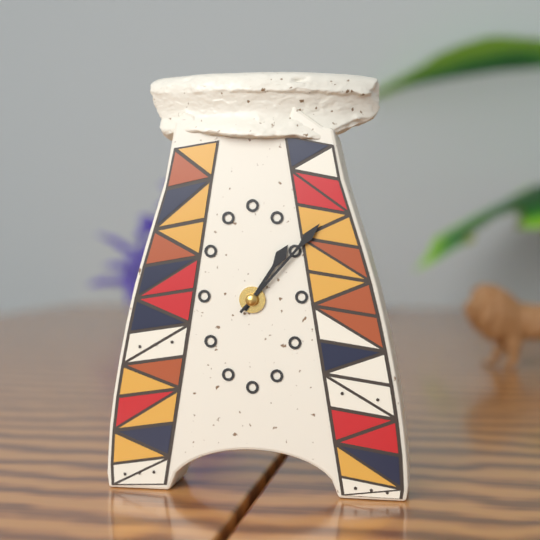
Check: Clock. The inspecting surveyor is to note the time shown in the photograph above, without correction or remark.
1:07
